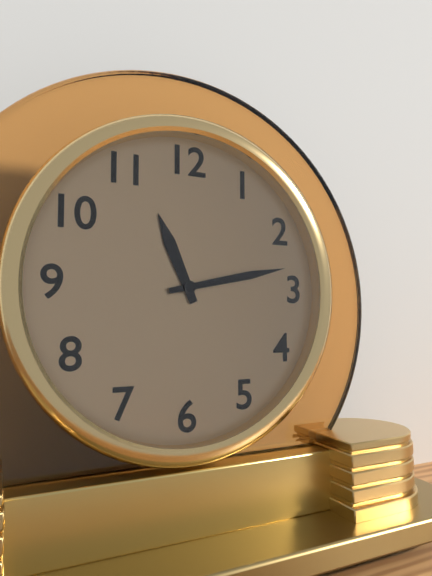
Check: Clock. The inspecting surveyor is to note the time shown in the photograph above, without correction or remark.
11:13
